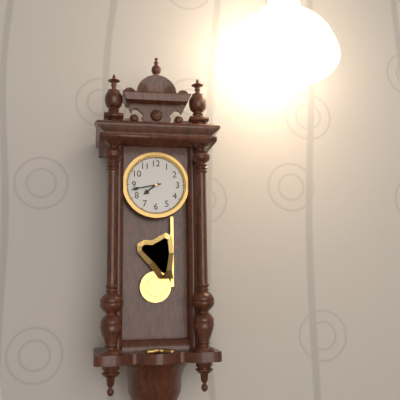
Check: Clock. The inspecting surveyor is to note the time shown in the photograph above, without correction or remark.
7:43
